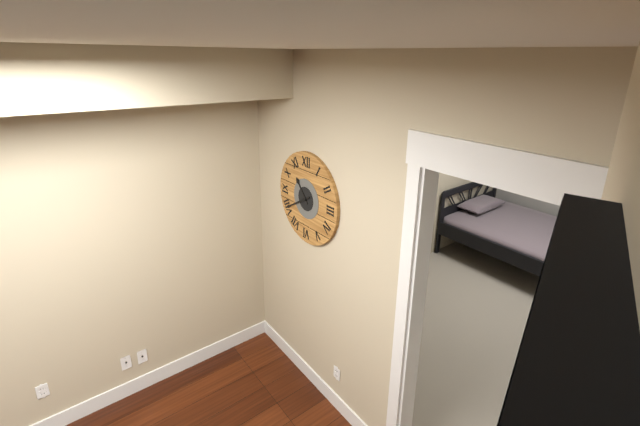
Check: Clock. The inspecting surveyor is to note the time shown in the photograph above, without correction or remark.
10:40
